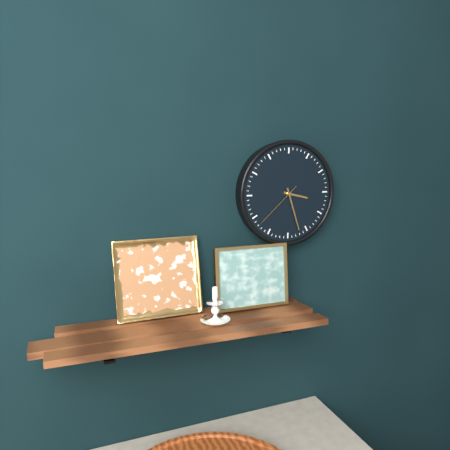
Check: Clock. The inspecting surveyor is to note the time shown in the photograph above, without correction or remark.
3:27
